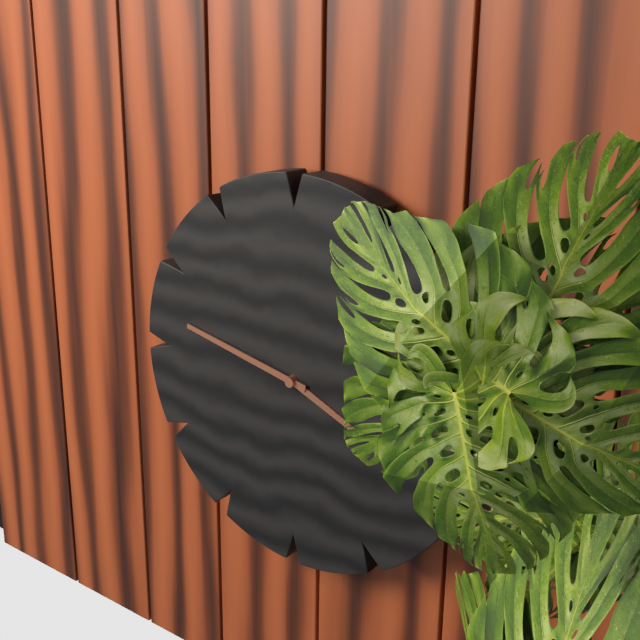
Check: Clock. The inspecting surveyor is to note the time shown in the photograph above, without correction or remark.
3:47
